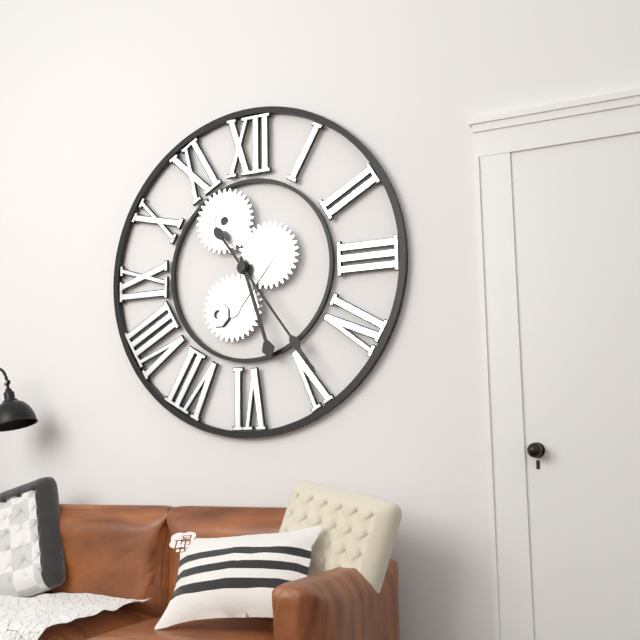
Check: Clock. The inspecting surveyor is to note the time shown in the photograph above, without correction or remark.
5:24
